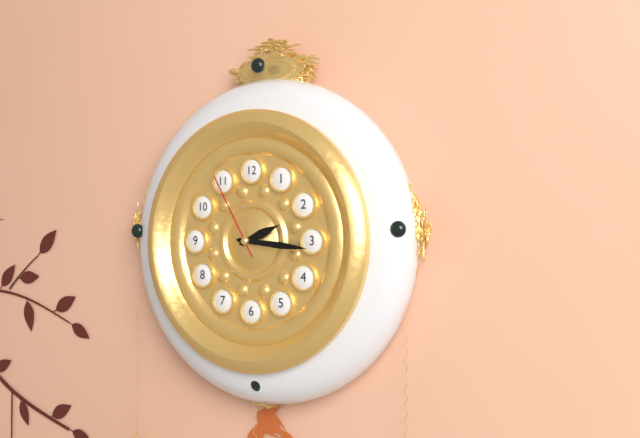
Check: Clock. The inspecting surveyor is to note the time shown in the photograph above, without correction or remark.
2:16:55
